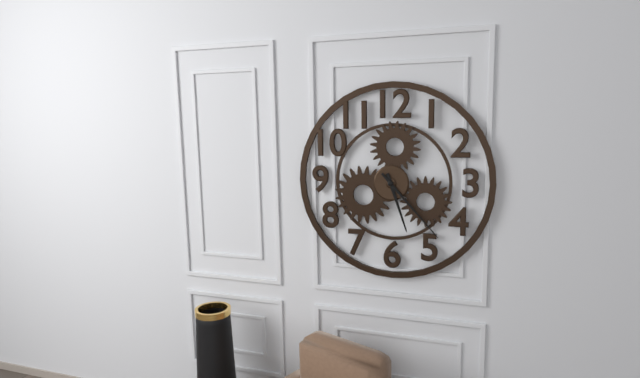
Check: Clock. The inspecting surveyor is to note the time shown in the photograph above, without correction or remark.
5:23
